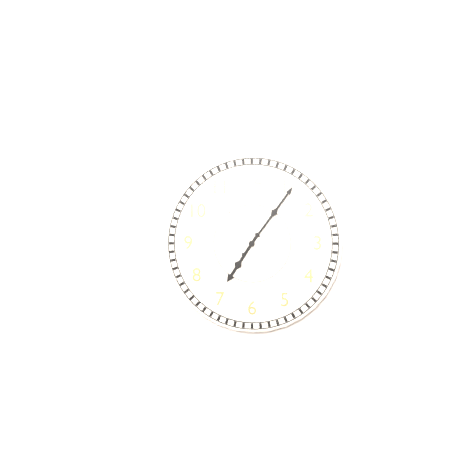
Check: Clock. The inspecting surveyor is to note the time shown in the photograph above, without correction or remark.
7:06
